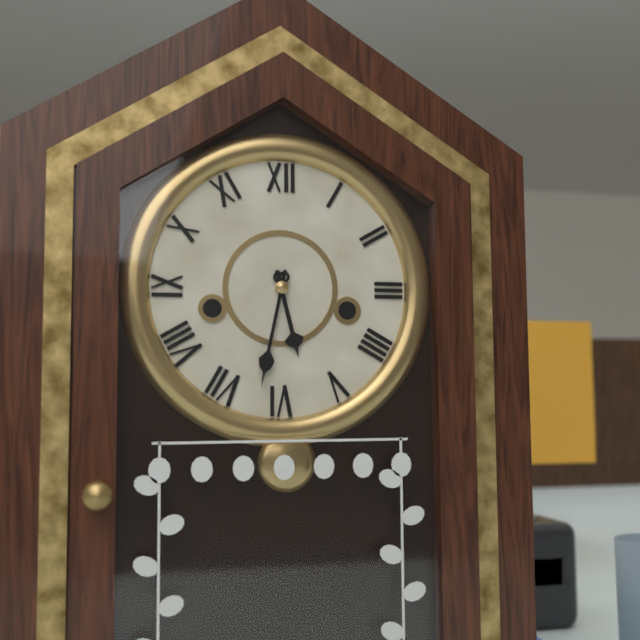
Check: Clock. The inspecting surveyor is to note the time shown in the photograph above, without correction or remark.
5:32
